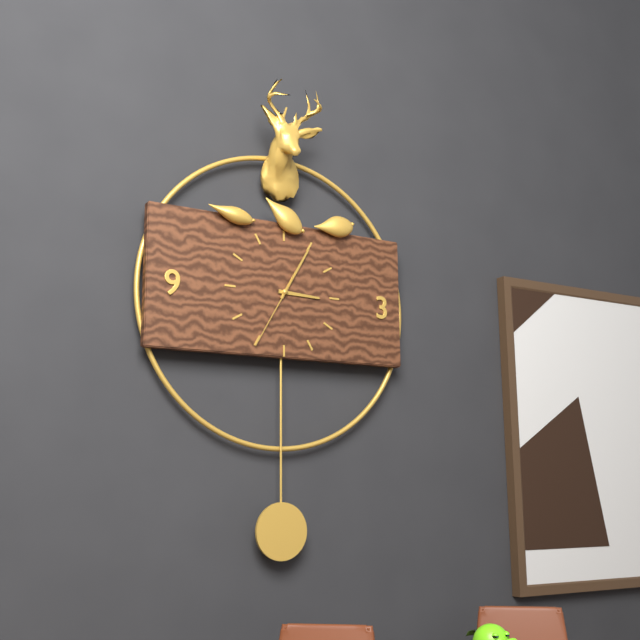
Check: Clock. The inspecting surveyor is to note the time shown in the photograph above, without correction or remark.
3:05:35
